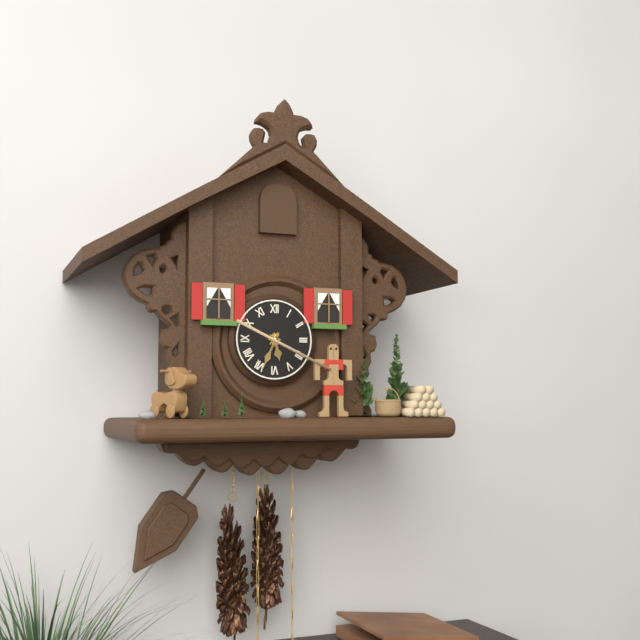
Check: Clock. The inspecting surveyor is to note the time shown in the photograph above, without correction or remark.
5:34
